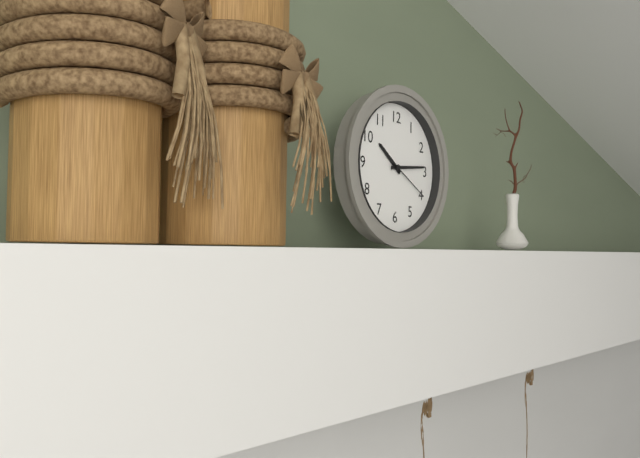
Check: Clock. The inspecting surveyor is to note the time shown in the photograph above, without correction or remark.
10:14
